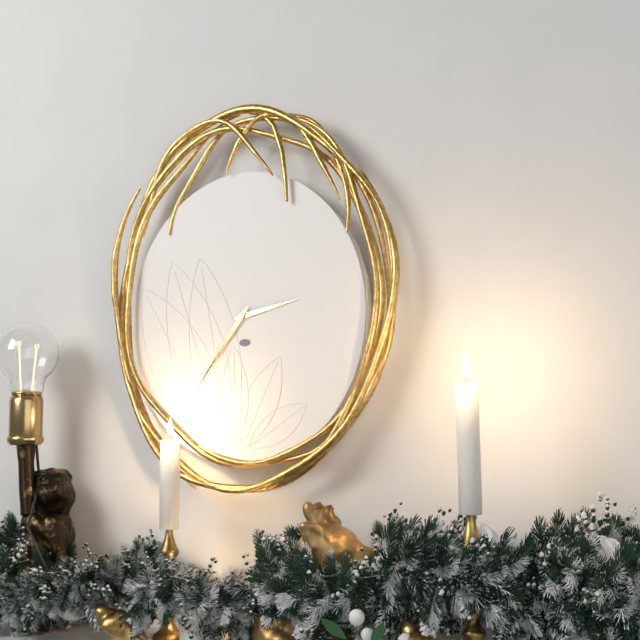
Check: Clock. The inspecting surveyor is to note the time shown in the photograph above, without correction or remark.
2:36
